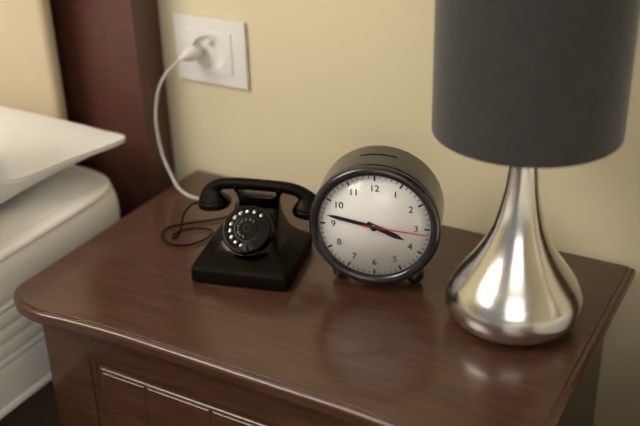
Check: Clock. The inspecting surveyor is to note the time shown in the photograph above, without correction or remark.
3:47:16
